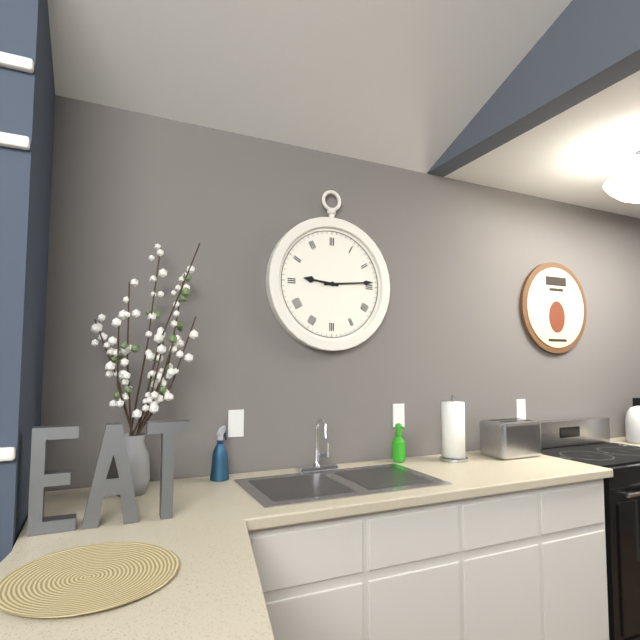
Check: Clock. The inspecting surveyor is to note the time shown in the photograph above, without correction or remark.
9:14
